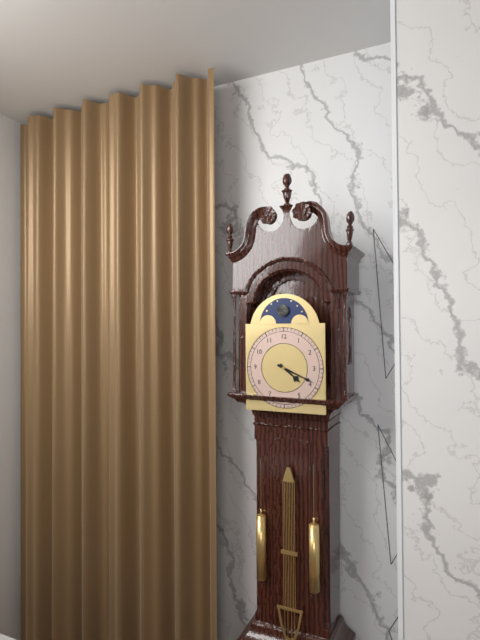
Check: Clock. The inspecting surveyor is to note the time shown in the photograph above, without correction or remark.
4:19
